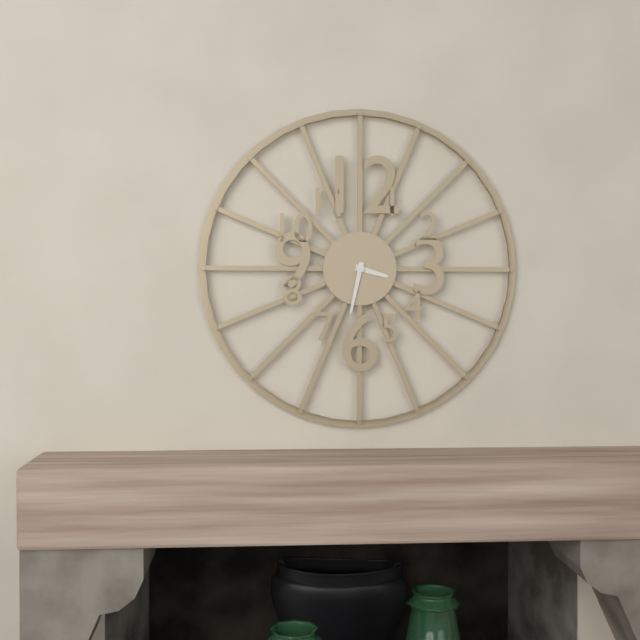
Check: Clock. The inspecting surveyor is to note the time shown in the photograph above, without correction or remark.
3:32
